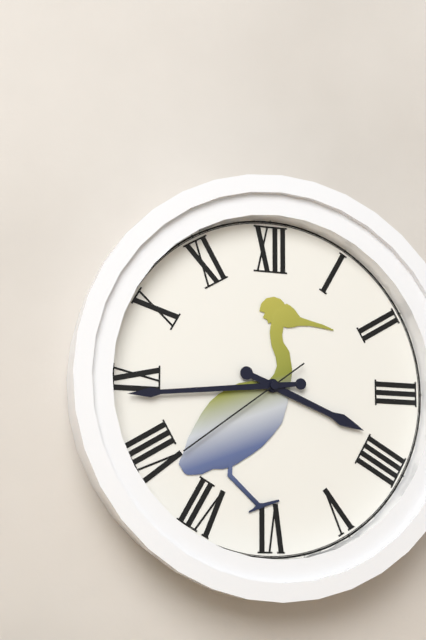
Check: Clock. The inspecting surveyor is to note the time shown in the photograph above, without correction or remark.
3:44:39
